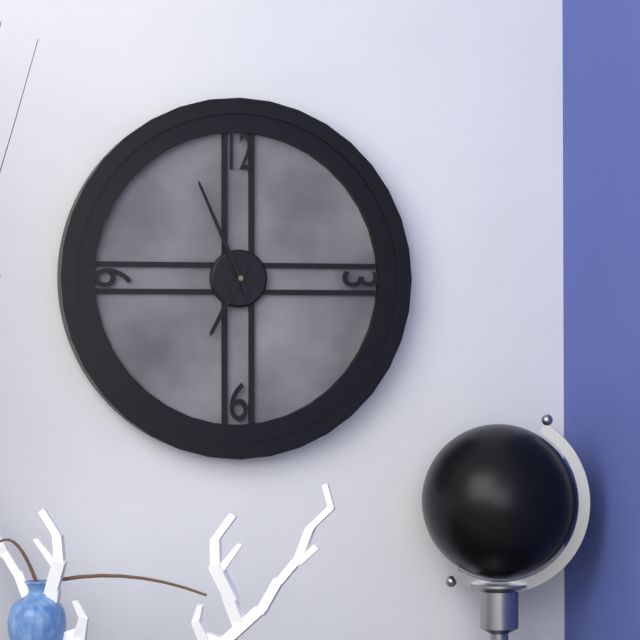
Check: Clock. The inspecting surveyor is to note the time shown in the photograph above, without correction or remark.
6:56
